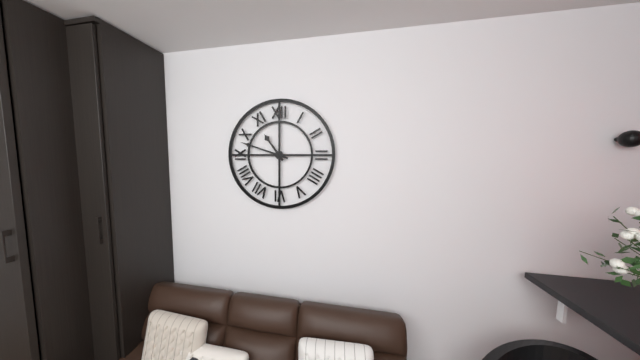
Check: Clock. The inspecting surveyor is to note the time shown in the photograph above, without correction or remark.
10:48
